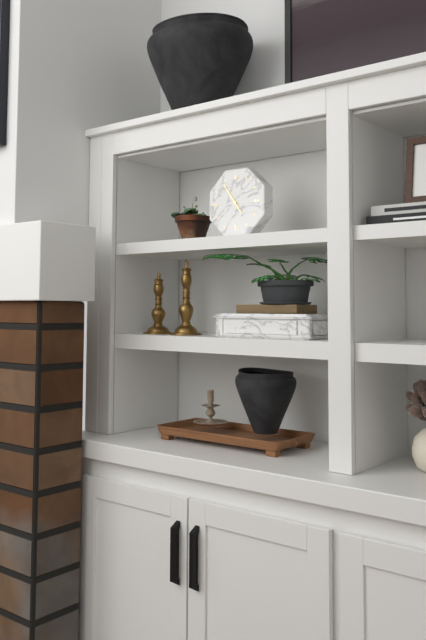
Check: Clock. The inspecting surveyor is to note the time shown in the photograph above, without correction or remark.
4:54
